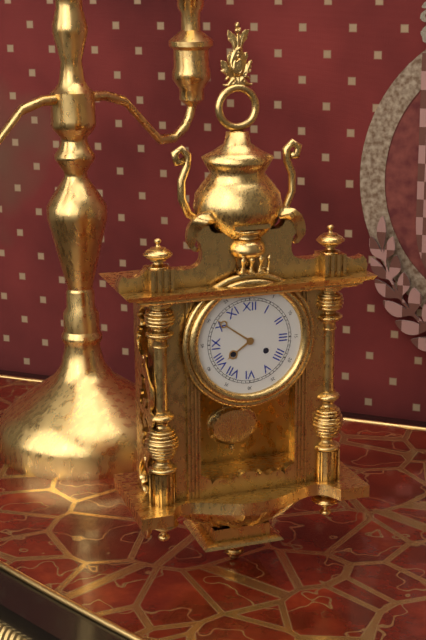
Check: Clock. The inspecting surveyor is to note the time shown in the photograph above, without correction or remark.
7:51
